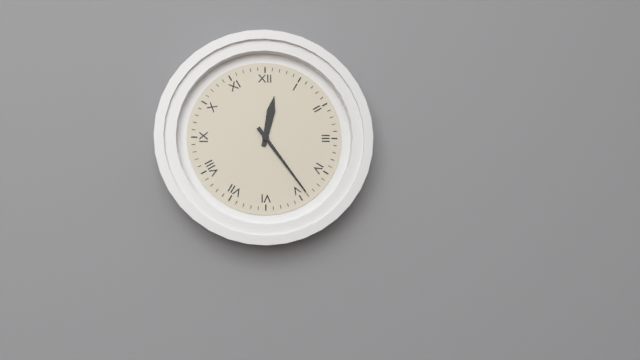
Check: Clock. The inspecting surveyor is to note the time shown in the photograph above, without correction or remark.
12:24
